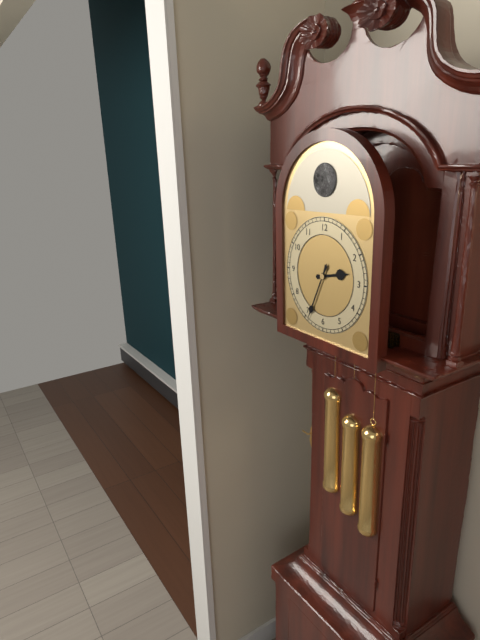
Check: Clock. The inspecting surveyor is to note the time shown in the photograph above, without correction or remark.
2:34
